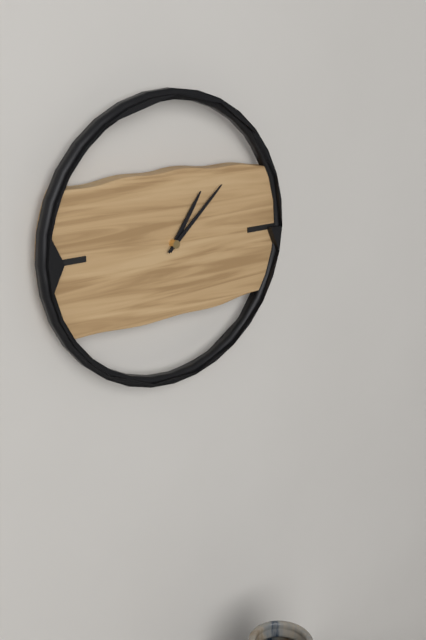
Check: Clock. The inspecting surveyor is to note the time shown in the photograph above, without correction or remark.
1:08
